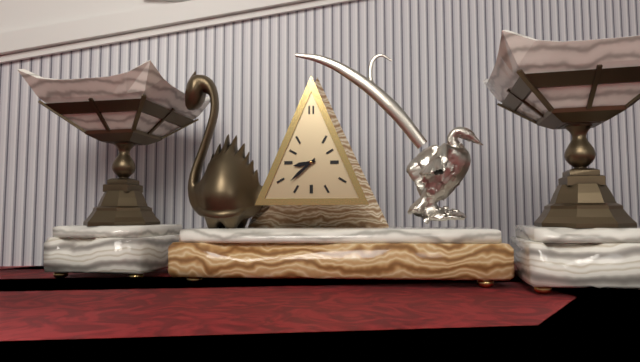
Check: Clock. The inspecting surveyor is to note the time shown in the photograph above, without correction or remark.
8:38
